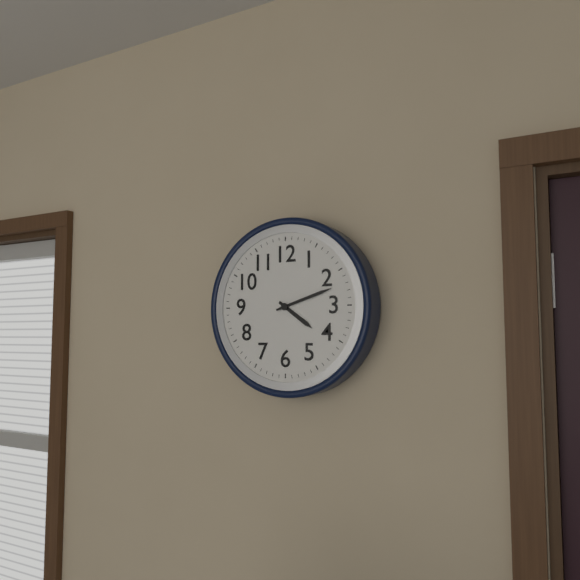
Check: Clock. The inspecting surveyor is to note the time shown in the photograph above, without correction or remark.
4:12
